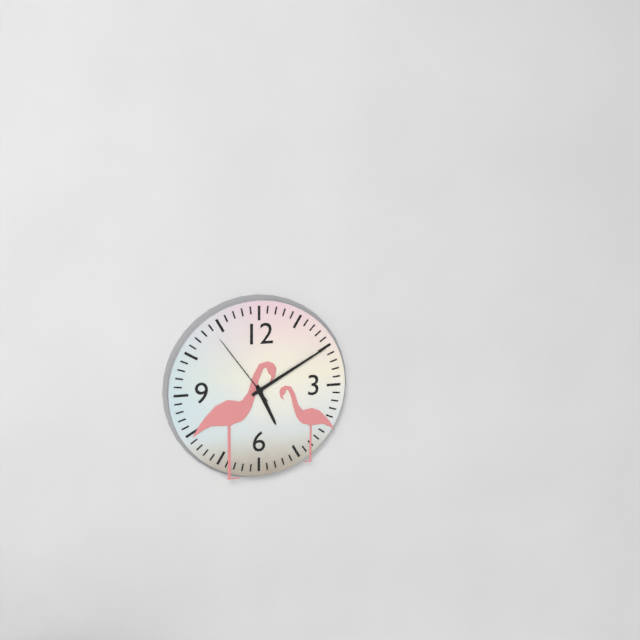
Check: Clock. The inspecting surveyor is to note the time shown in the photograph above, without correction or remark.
5:10:54
